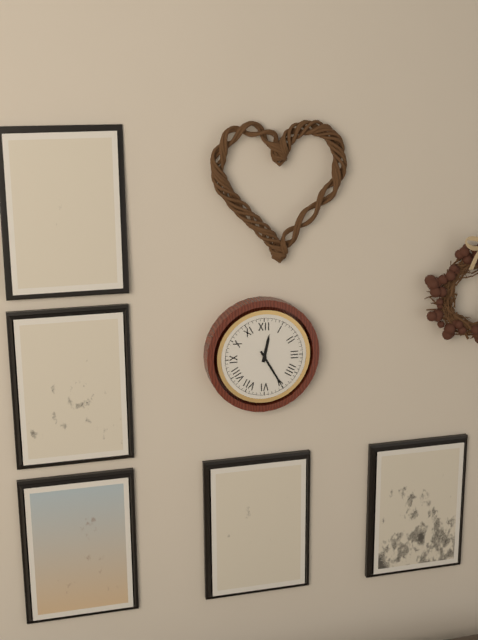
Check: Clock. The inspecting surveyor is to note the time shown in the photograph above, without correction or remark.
12:25
